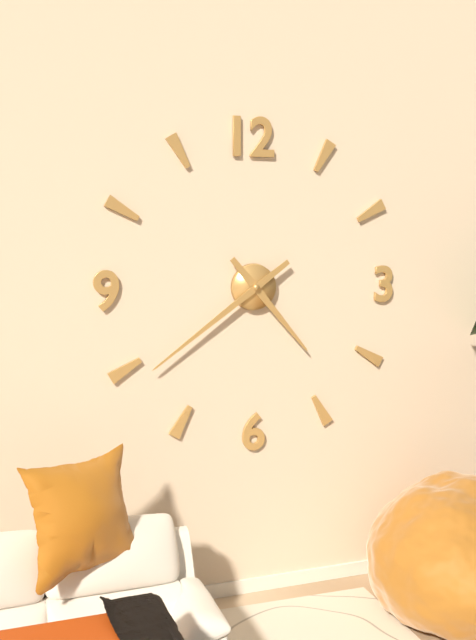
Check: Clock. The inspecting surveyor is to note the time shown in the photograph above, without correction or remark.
4:39
